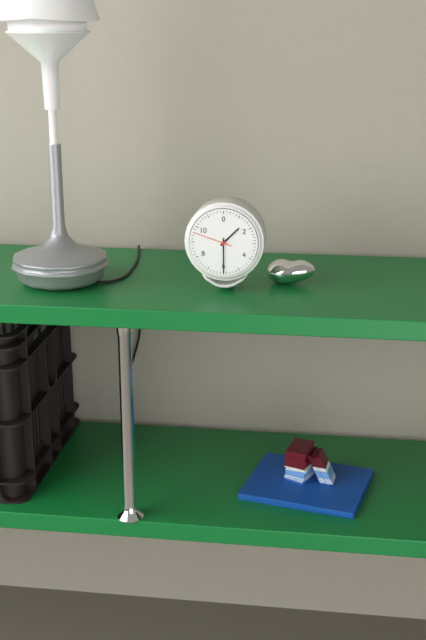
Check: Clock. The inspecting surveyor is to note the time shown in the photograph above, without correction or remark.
1:30
